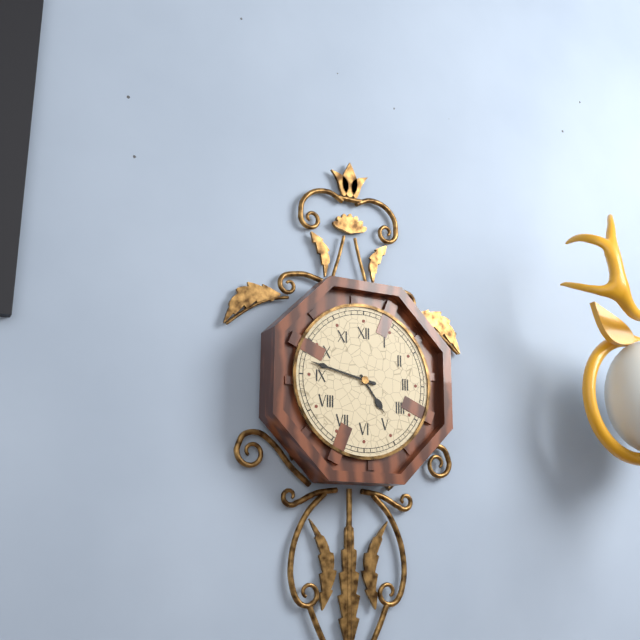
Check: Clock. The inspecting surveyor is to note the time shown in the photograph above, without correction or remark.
4:47
